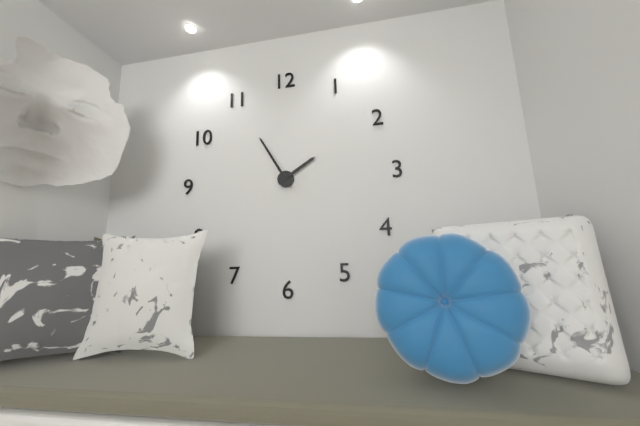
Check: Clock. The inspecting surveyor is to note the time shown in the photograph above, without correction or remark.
1:55
